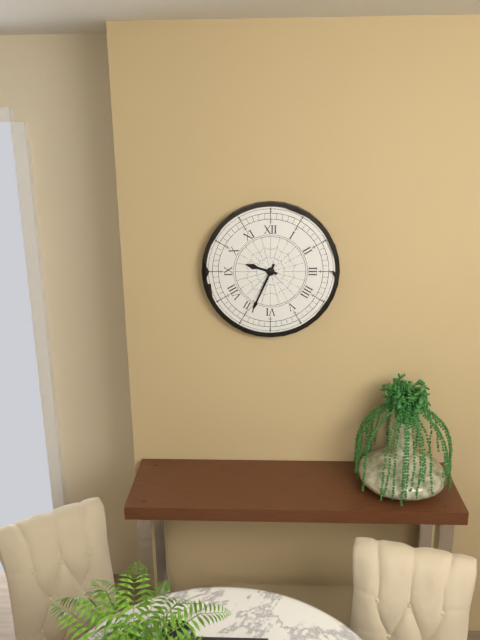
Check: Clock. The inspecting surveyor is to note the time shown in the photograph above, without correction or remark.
9:34
